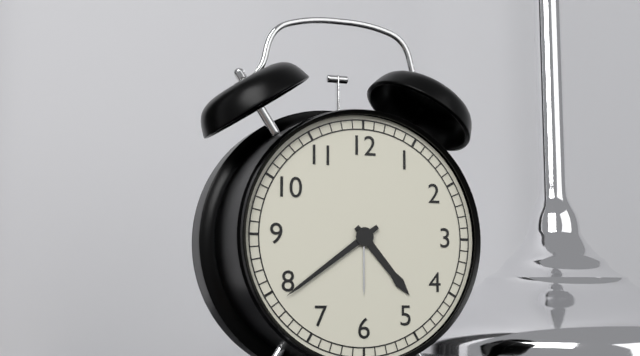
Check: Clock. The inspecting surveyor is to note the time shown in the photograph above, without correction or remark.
4:39
